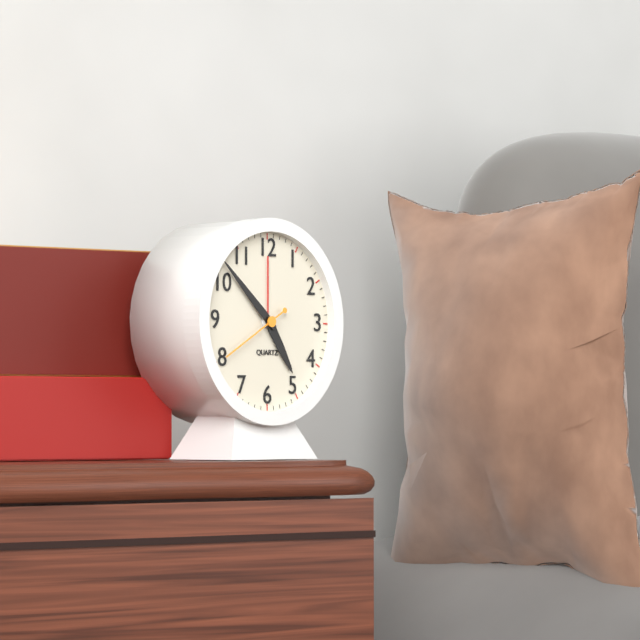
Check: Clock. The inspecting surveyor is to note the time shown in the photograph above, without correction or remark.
4:52:40
